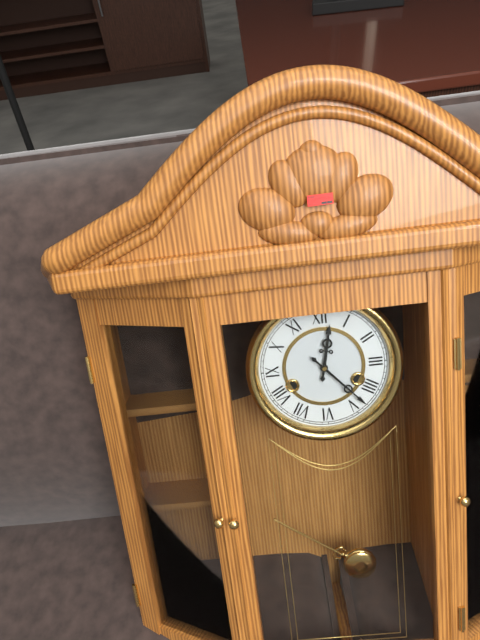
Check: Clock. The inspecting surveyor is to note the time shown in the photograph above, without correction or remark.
12:23
